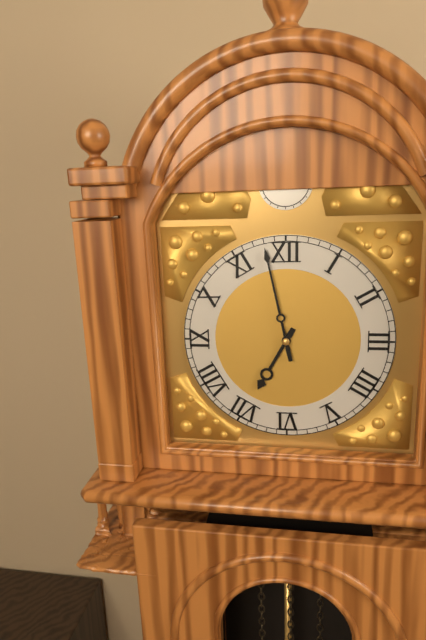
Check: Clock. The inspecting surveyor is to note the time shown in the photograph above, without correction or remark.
6:58
